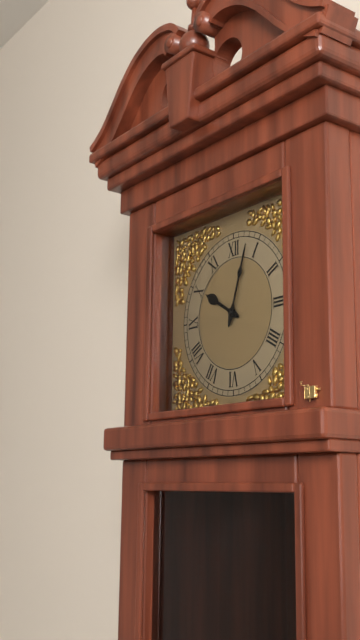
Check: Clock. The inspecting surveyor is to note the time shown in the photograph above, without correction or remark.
10:03
